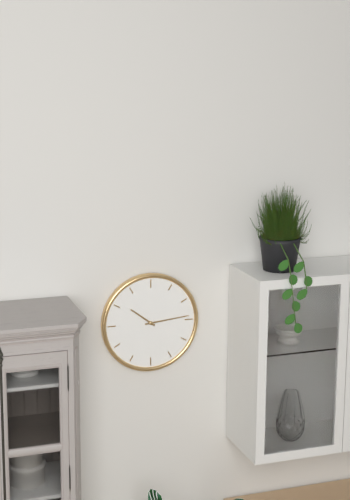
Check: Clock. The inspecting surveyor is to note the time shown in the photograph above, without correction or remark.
10:14
